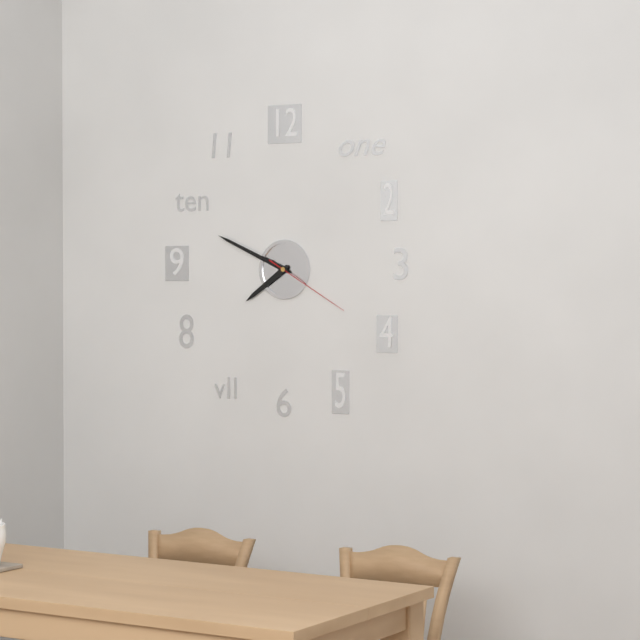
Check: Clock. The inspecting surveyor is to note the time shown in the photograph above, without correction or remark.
7:49:20
